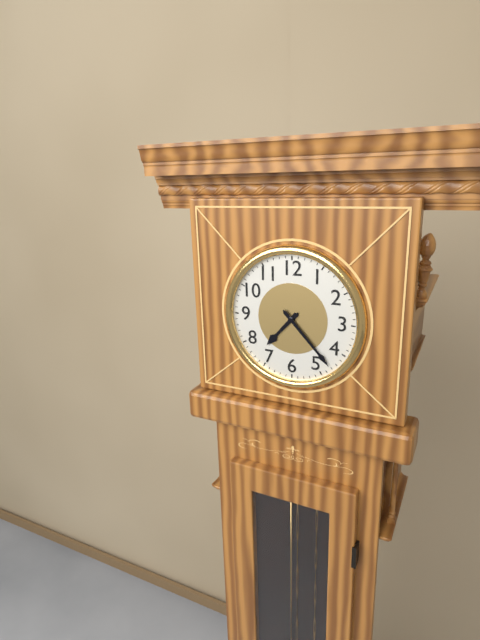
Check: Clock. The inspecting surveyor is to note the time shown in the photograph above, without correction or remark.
7:23
